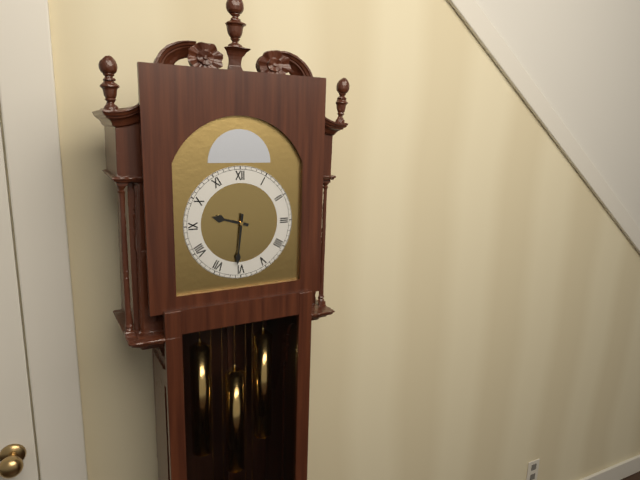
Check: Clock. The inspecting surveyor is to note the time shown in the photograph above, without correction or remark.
9:31
